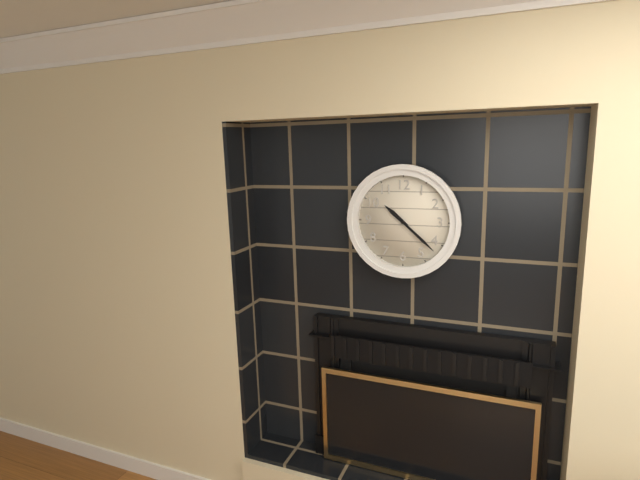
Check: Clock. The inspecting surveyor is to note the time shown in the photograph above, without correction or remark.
10:22
